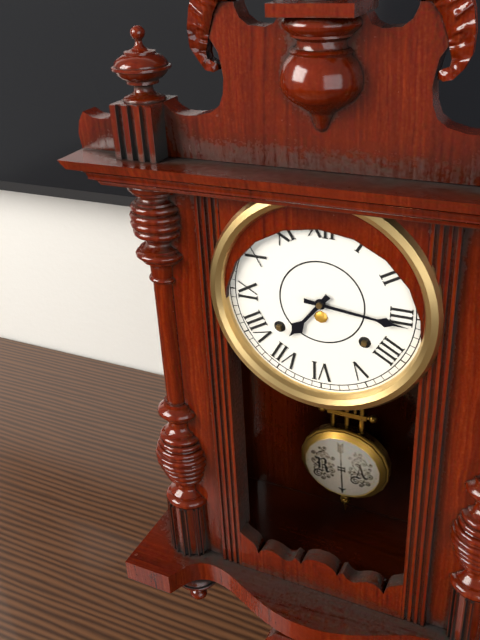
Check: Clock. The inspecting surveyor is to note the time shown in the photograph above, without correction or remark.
7:16
